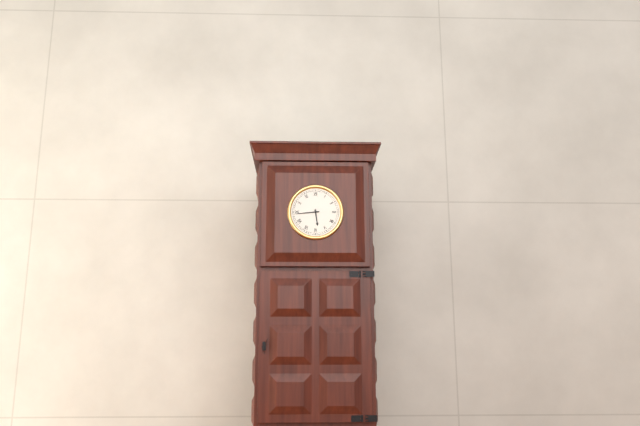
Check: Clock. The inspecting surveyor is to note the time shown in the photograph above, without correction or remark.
5:44
